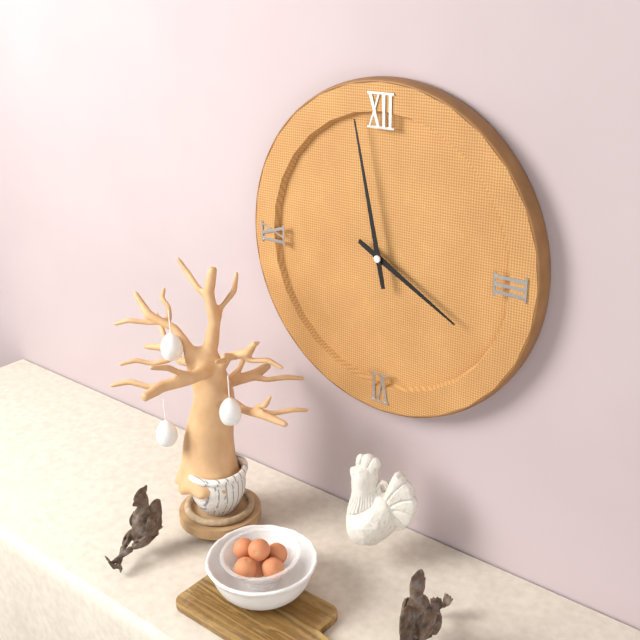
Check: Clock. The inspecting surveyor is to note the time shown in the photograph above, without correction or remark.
3:58
